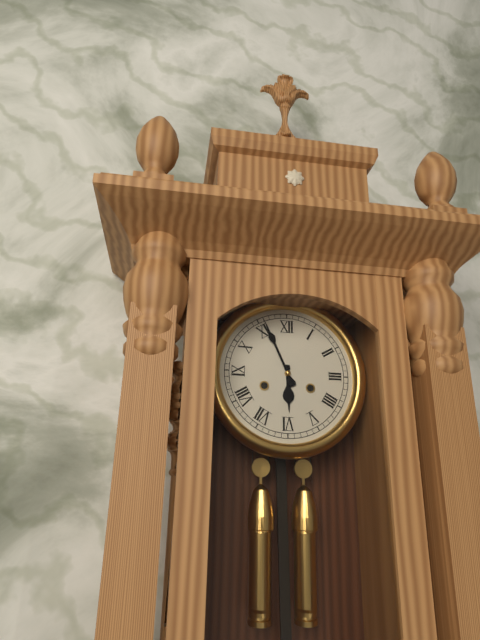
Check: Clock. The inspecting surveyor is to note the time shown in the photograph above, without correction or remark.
5:56
